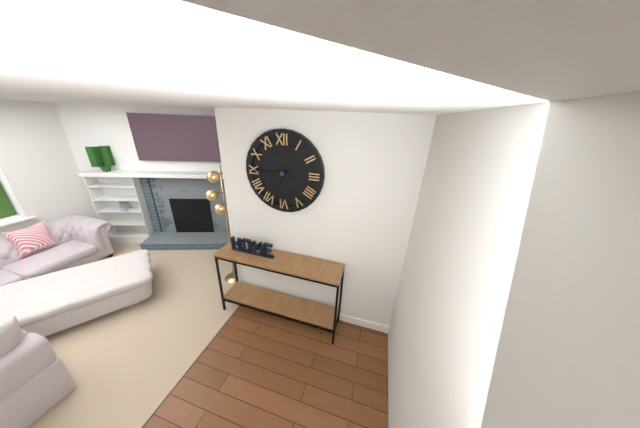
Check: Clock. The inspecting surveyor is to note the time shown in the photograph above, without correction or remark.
6:45
